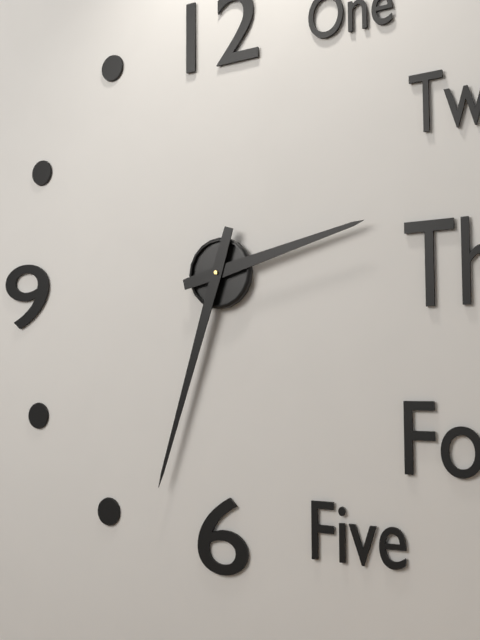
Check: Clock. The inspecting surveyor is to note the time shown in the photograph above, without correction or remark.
2:33
